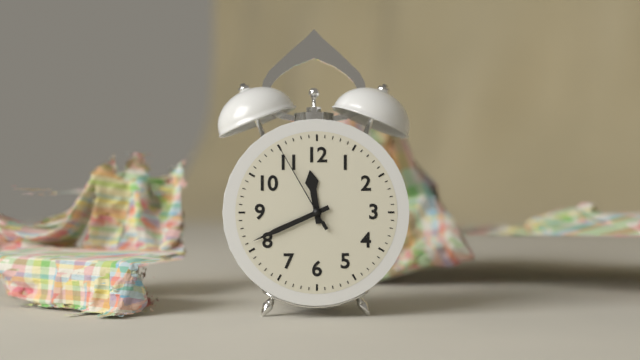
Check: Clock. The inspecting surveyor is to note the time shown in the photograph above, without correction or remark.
11:41:55
